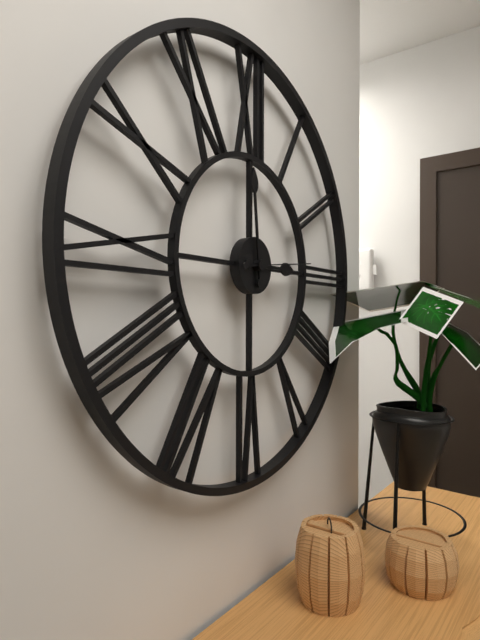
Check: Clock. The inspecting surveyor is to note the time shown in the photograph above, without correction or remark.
2:59:14
